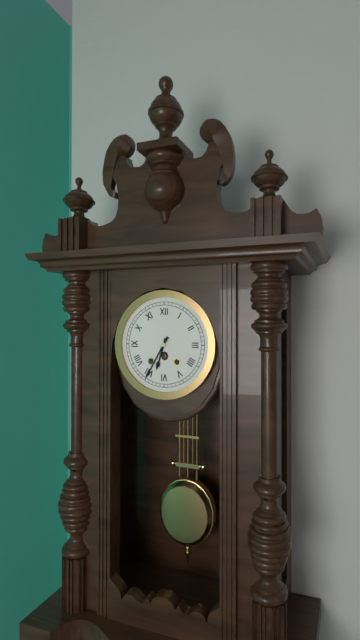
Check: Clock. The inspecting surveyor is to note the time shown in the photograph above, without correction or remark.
6:35
